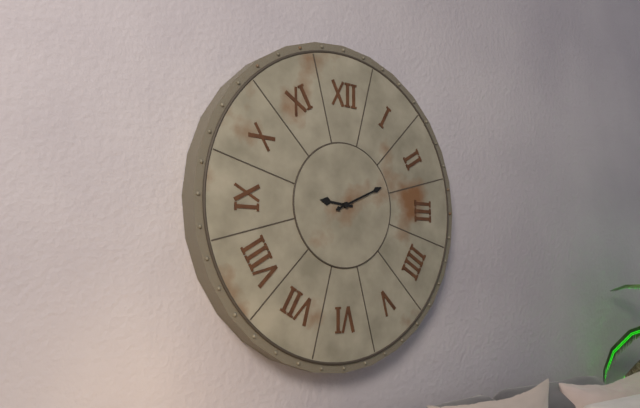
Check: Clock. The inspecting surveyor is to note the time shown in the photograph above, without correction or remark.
9:11
